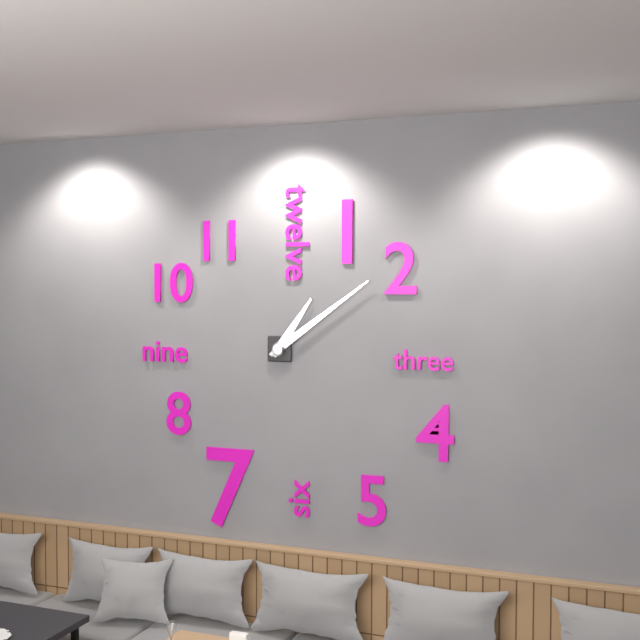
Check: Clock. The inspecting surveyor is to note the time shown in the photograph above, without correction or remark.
1:09
